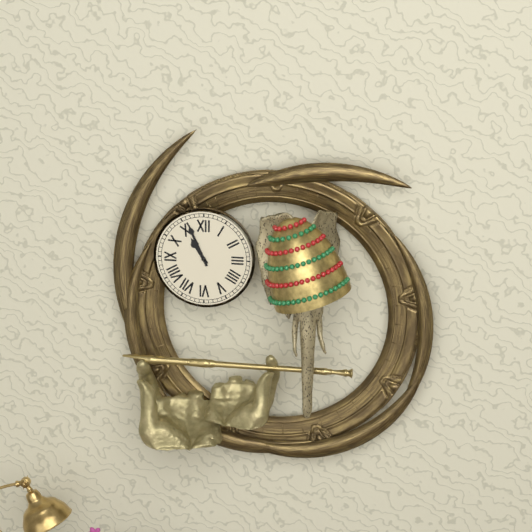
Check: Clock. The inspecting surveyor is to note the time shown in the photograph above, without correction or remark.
10:56
